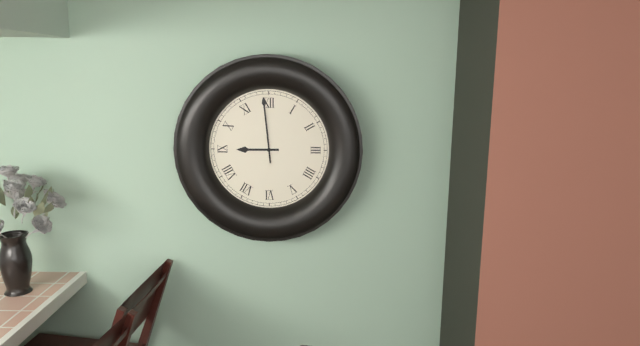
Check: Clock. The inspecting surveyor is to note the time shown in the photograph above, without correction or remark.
8:59
